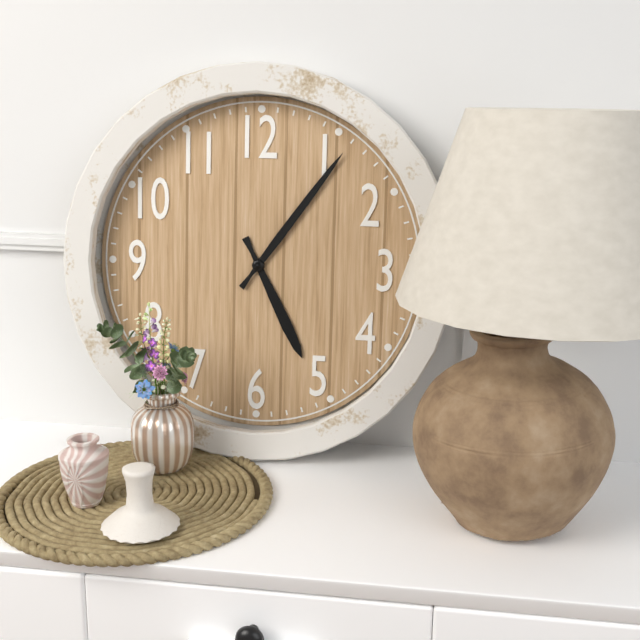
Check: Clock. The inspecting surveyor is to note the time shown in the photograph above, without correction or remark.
5:06
